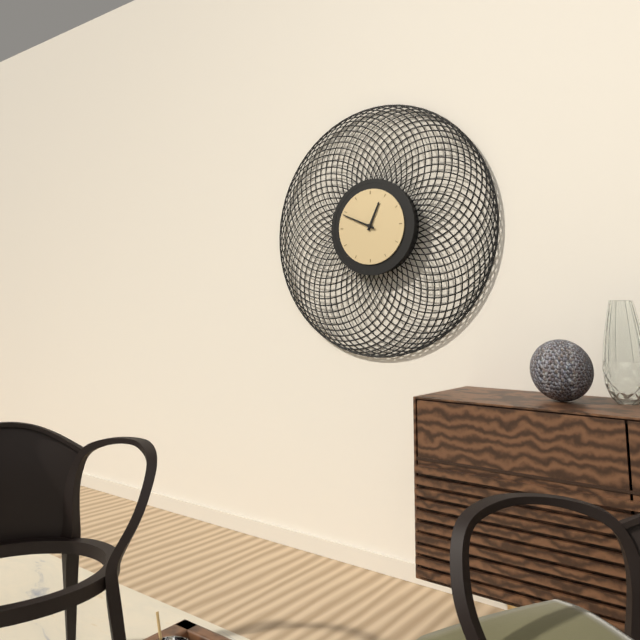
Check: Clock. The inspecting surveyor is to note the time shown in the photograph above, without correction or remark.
12:49
